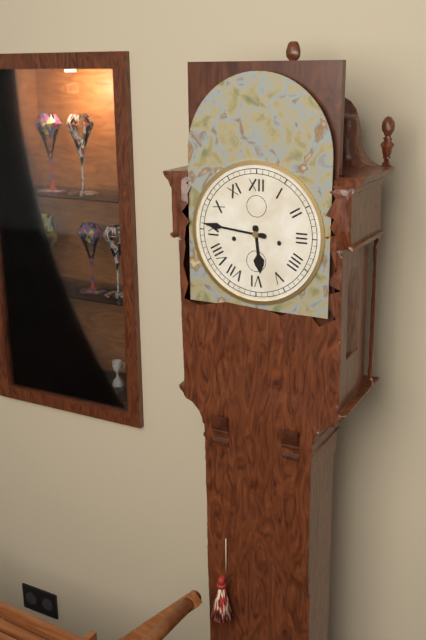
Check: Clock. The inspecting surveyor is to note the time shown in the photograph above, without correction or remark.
5:46
